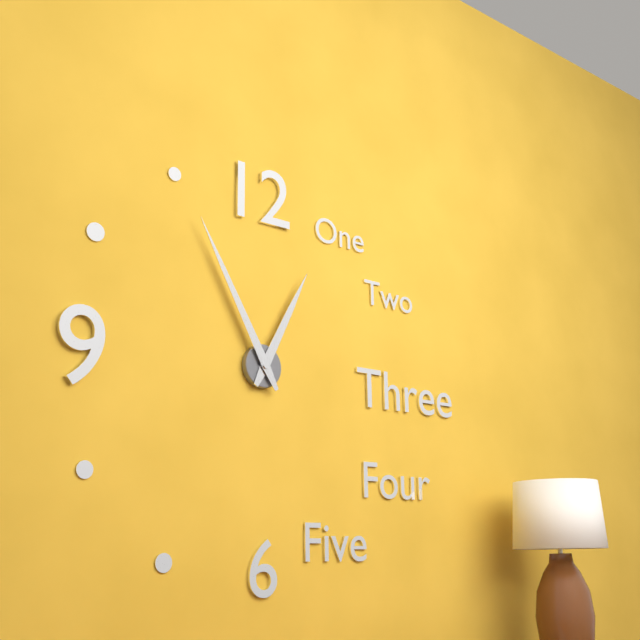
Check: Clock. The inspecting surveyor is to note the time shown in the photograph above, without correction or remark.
12:55
